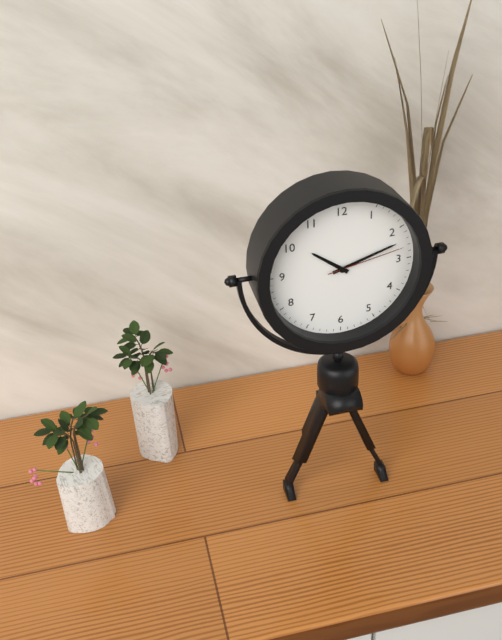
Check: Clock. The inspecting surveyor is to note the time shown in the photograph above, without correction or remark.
10:12:13
